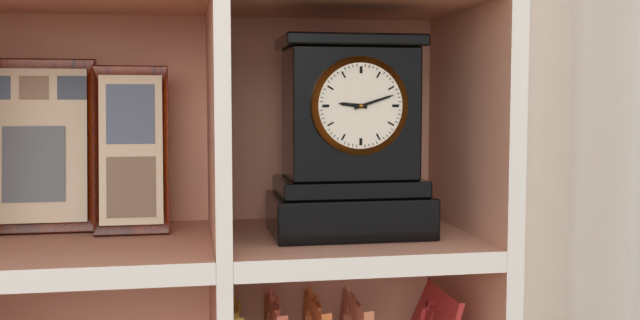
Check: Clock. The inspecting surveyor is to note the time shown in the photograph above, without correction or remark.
9:12
